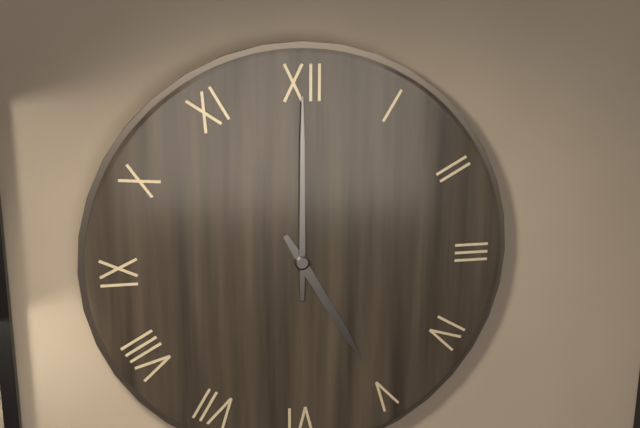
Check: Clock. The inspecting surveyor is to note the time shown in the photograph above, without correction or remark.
5:00
